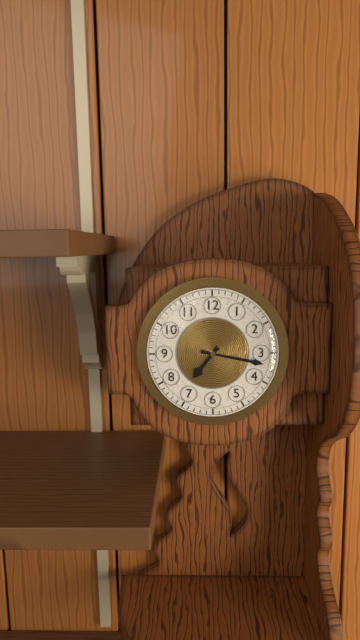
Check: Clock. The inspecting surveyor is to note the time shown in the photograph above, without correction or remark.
7:17
